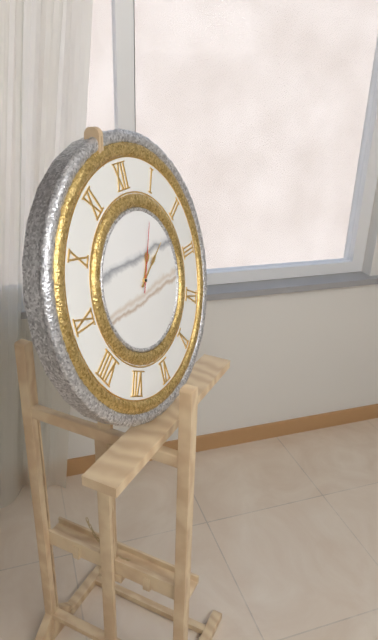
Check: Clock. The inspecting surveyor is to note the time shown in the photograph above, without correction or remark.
1:10:05
